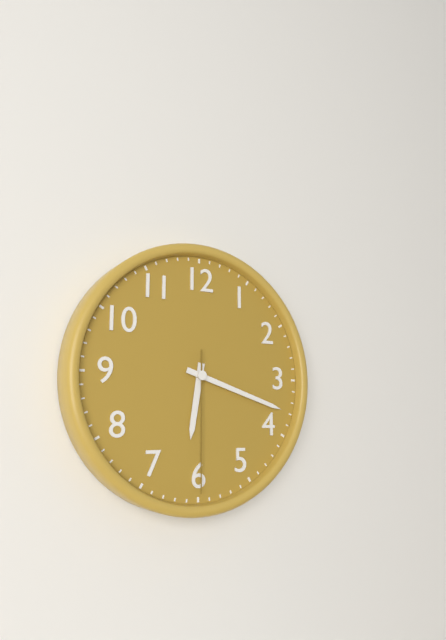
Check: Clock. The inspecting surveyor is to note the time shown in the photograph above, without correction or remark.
6:18:30
